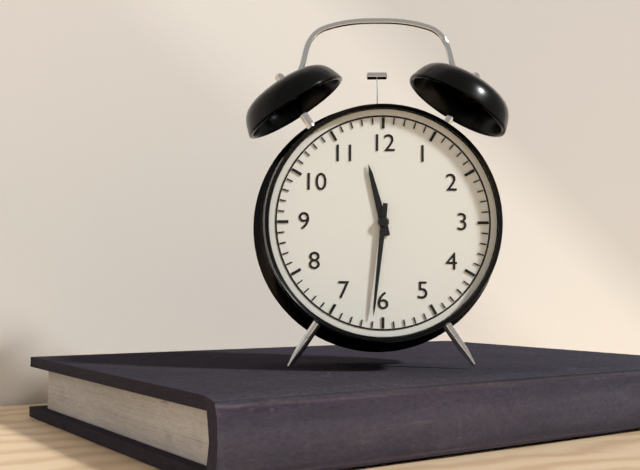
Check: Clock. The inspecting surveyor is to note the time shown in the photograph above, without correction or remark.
11:31
